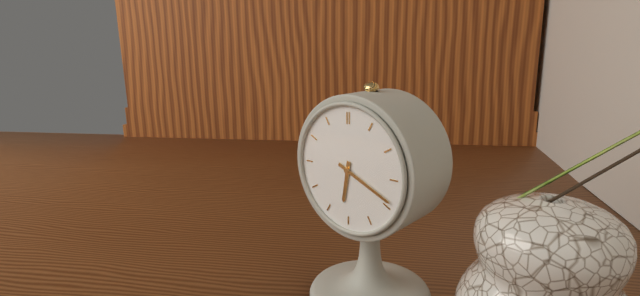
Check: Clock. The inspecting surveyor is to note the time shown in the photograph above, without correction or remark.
6:19
